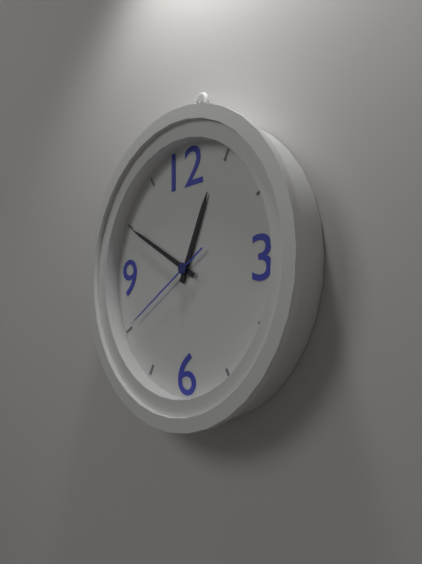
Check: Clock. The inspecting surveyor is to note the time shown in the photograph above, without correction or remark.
12:50:40
